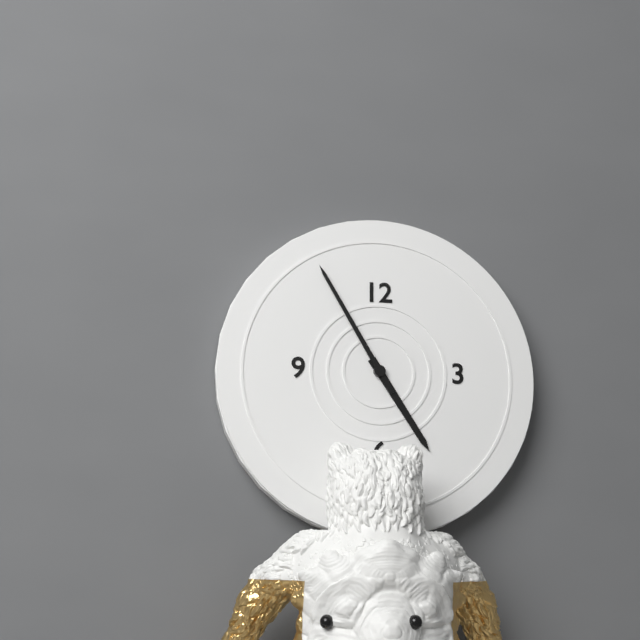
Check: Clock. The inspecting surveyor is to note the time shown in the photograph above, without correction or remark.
4:55
